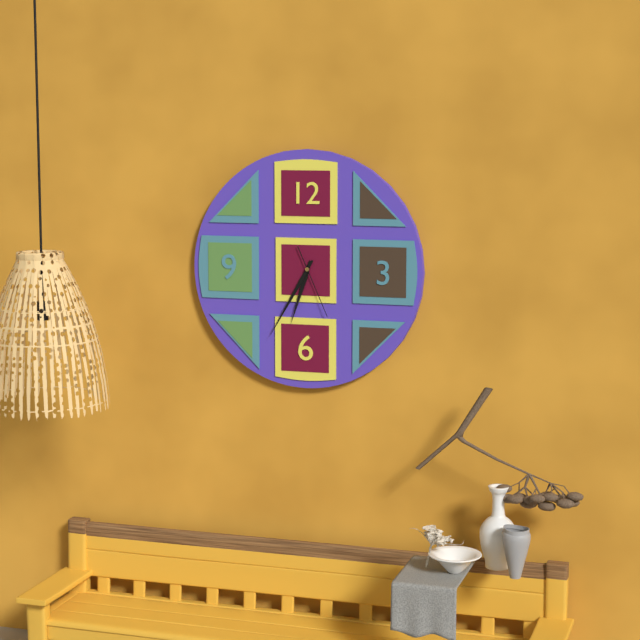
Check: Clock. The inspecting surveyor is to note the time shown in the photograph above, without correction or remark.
6:35:26
